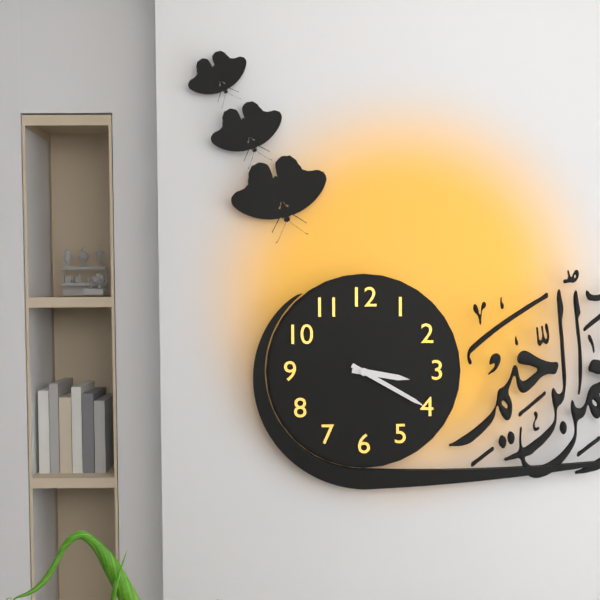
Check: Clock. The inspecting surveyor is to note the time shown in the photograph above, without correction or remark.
3:20
